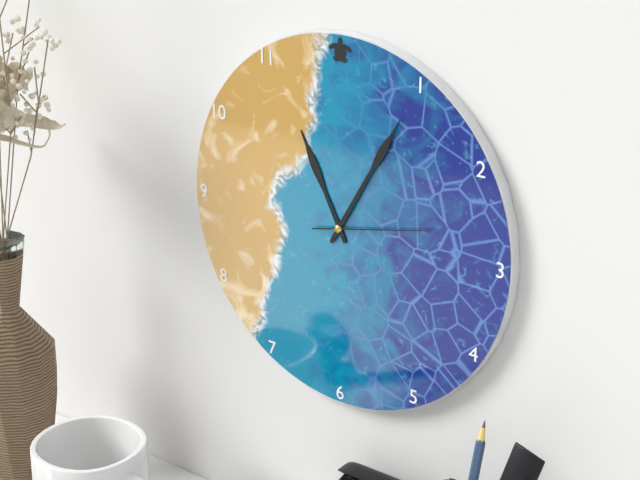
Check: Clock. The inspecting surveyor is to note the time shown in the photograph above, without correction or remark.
11:05:13
